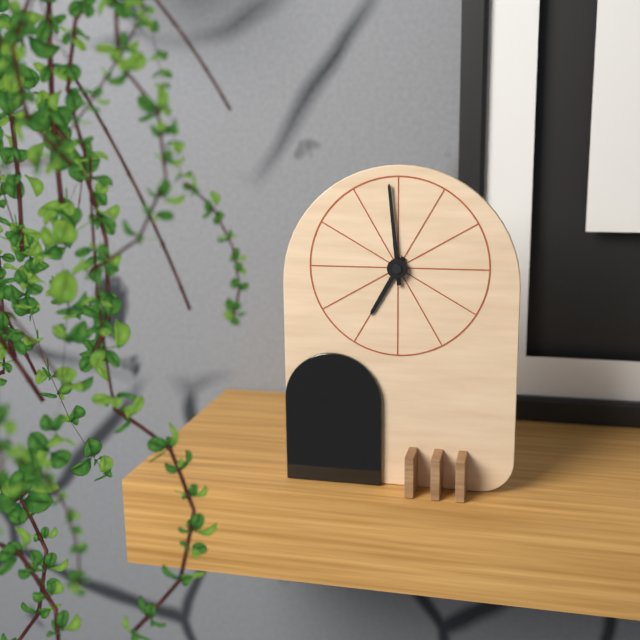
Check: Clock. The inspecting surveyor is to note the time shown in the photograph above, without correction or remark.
6:59
